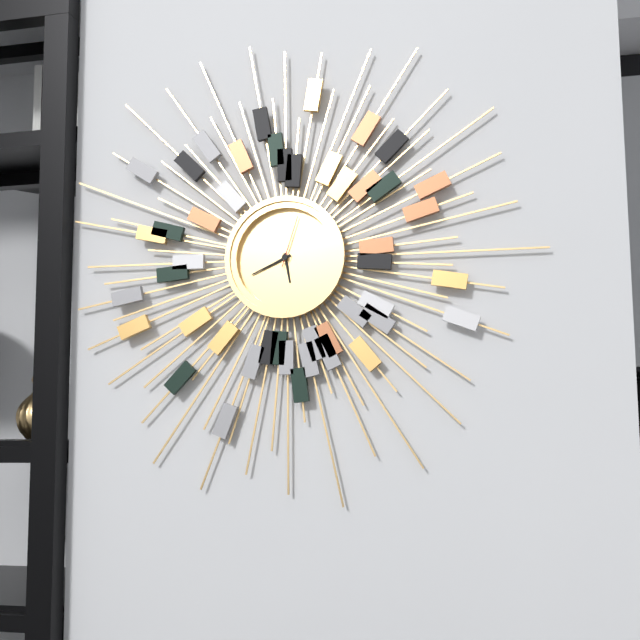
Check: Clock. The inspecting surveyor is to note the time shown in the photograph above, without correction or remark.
5:41:03
